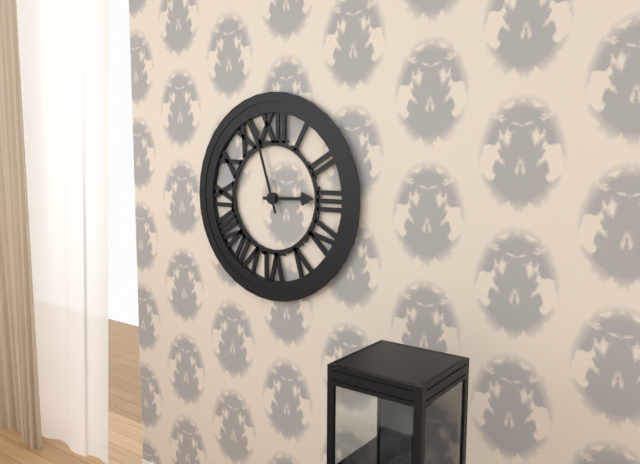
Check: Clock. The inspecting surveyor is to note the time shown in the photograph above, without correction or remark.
2:57
